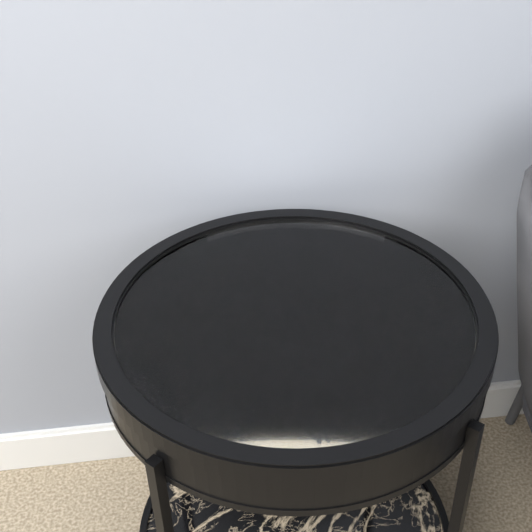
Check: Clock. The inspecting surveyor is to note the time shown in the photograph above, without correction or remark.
10:41
